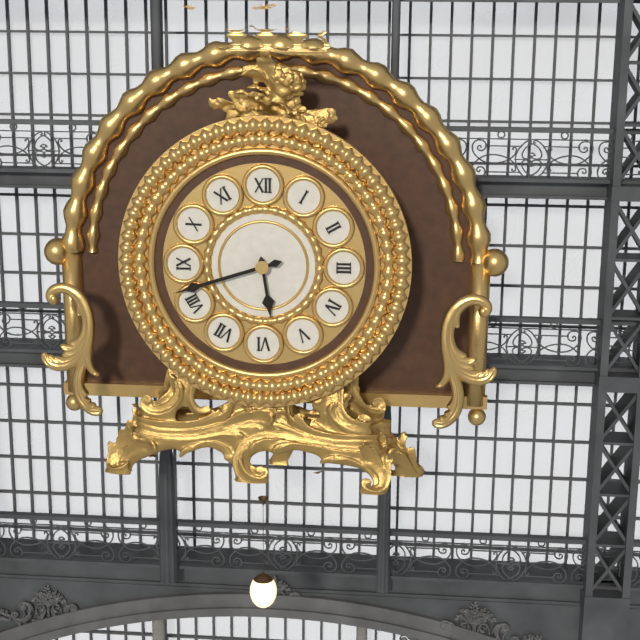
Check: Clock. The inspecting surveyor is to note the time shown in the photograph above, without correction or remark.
5:42
